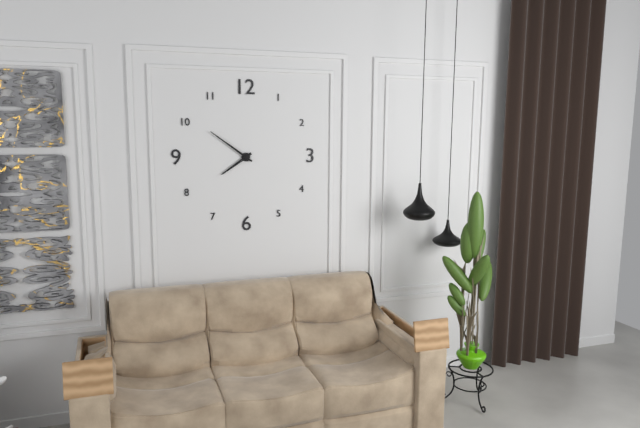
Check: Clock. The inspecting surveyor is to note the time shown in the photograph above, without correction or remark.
7:51
